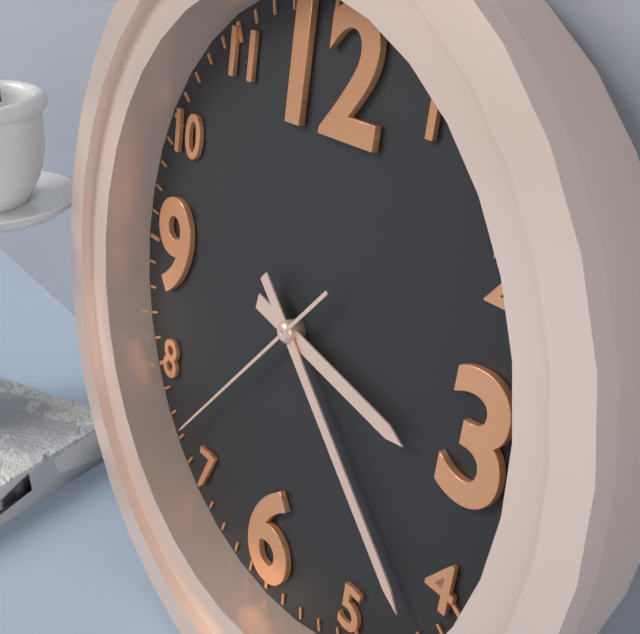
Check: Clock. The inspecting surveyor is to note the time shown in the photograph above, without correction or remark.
3:22:37
